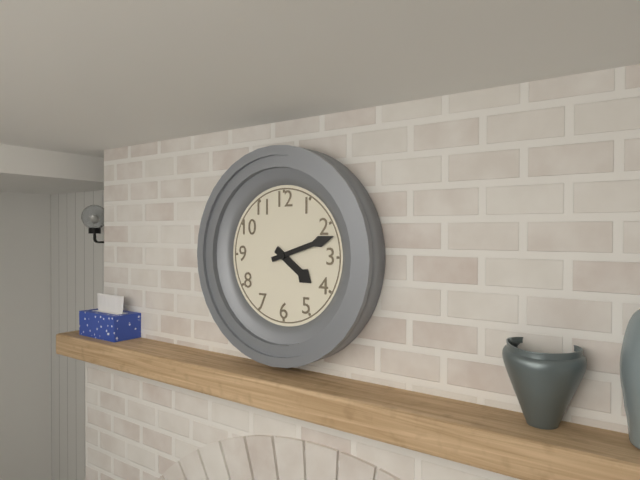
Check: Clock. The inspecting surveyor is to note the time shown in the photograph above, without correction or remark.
4:12
